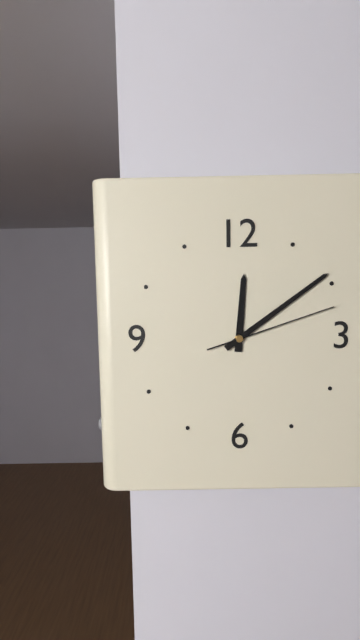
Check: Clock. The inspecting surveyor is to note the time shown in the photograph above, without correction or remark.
12:09:12
